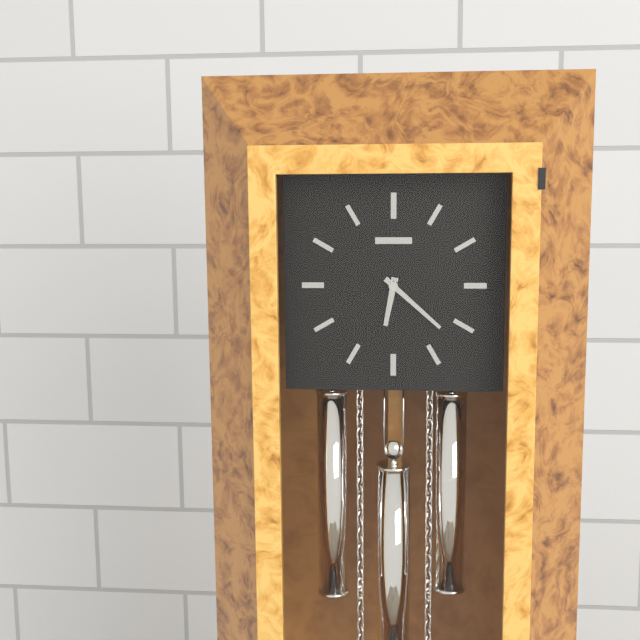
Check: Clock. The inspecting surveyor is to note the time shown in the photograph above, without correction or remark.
6:22
